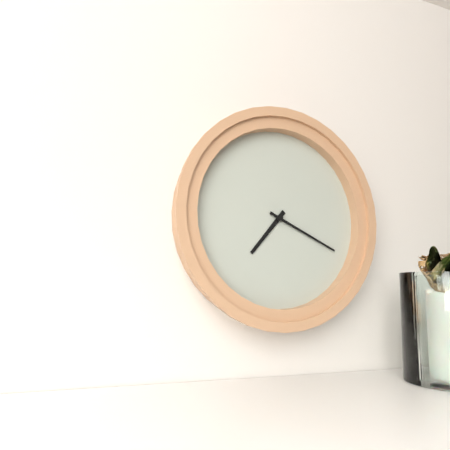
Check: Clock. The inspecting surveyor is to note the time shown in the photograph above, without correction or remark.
7:19
